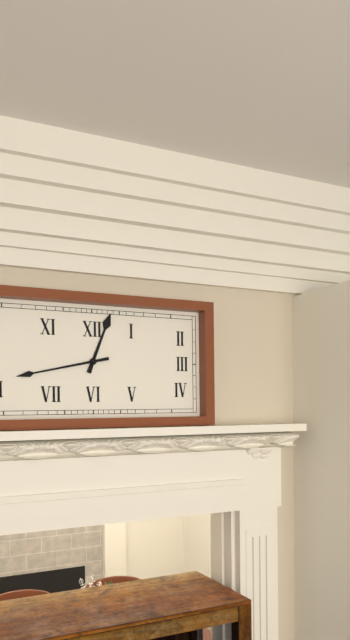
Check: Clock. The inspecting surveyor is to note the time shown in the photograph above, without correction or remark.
12:43
